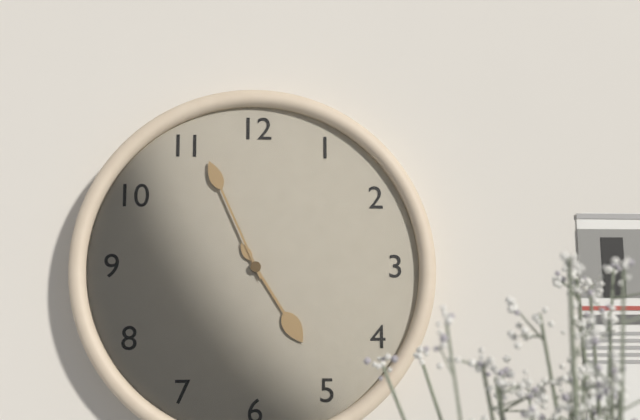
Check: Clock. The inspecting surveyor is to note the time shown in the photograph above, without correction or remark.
4:56
